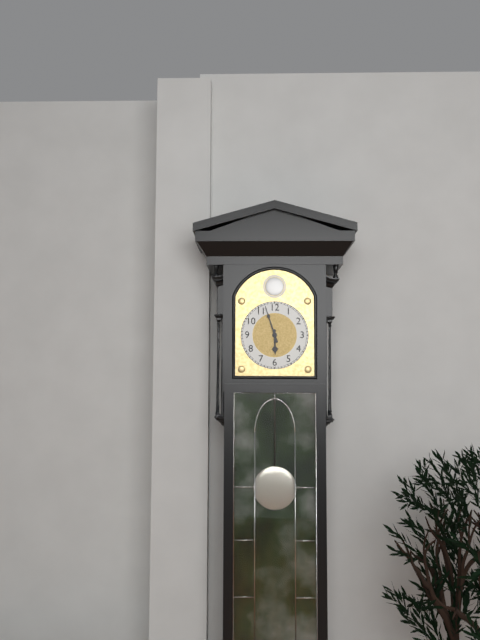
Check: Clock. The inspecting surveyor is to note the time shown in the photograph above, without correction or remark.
5:57
